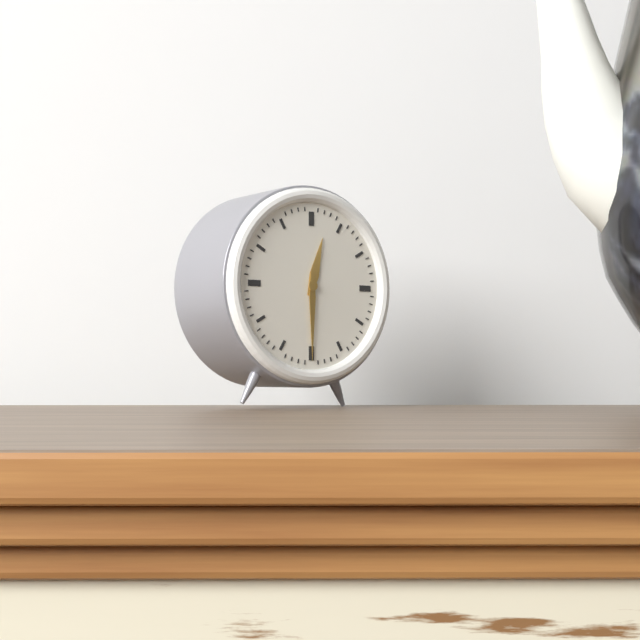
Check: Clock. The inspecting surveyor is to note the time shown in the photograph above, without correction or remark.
12:30
